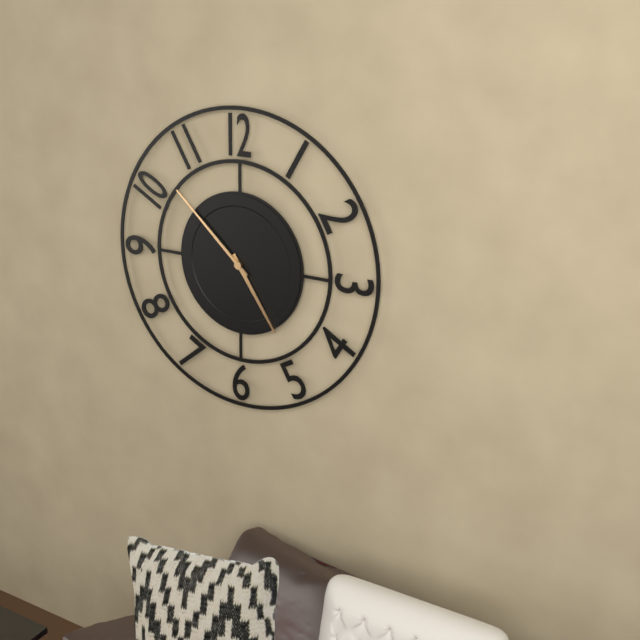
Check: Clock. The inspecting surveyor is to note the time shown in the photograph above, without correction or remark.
4:52
